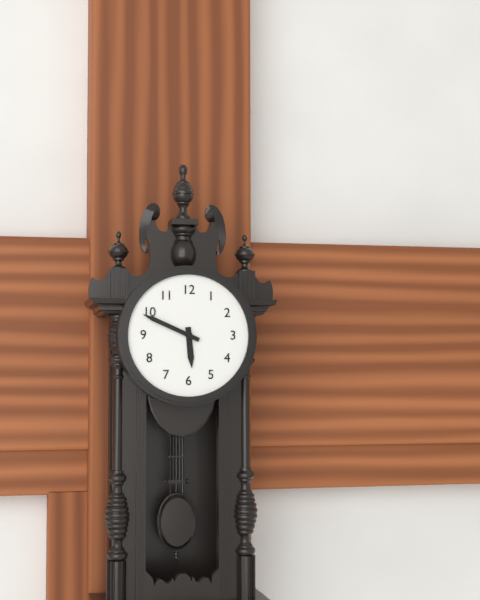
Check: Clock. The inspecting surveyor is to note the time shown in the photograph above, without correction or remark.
5:49
